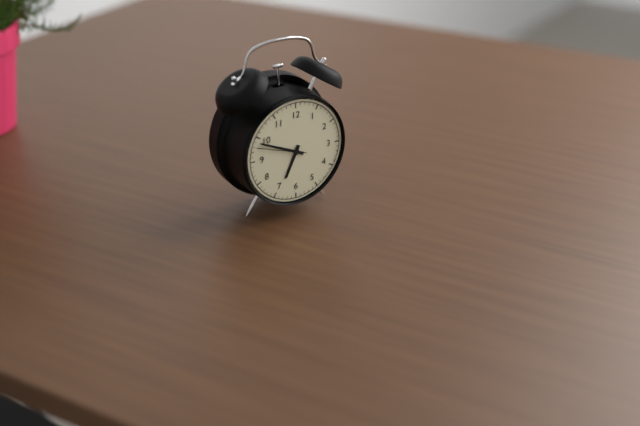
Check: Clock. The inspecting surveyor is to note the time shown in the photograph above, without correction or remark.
6:49:48
